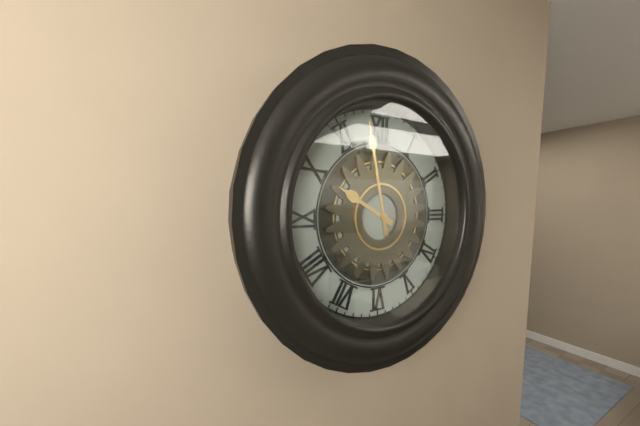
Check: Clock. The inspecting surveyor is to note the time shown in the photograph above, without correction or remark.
9:58
